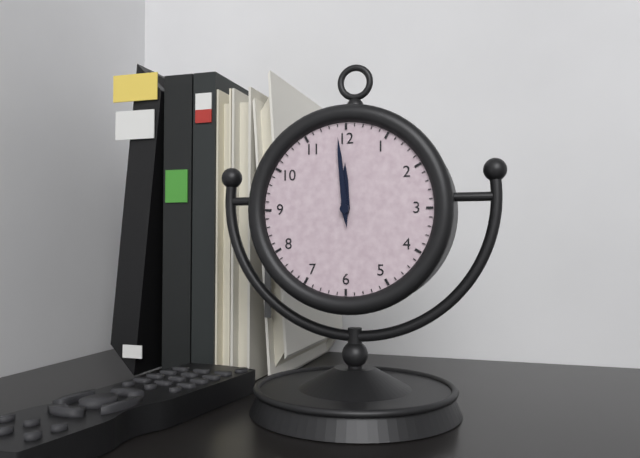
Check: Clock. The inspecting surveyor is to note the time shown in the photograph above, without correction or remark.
11:59
